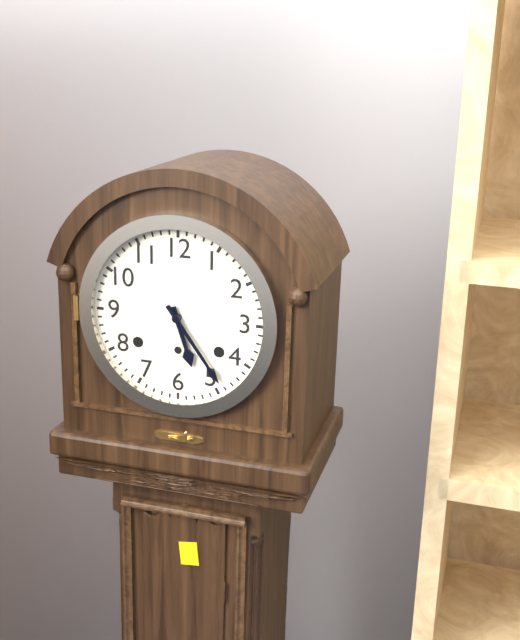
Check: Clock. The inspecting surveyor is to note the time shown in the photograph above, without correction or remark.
5:24
